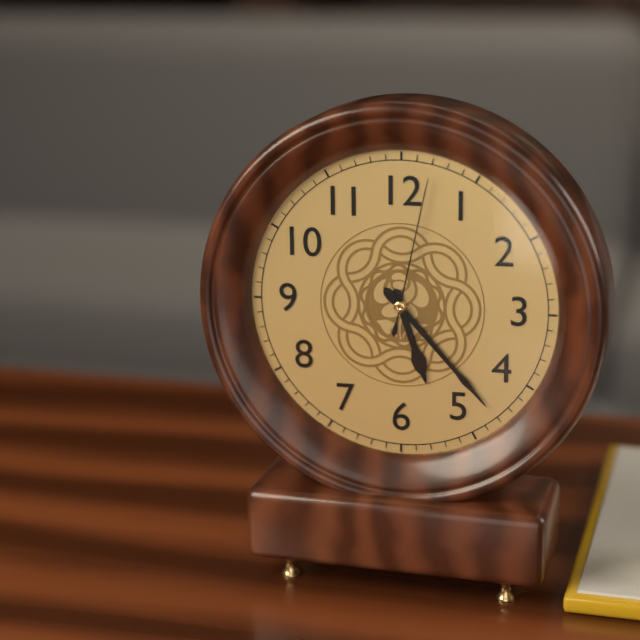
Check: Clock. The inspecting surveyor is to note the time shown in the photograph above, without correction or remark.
5:23:02
